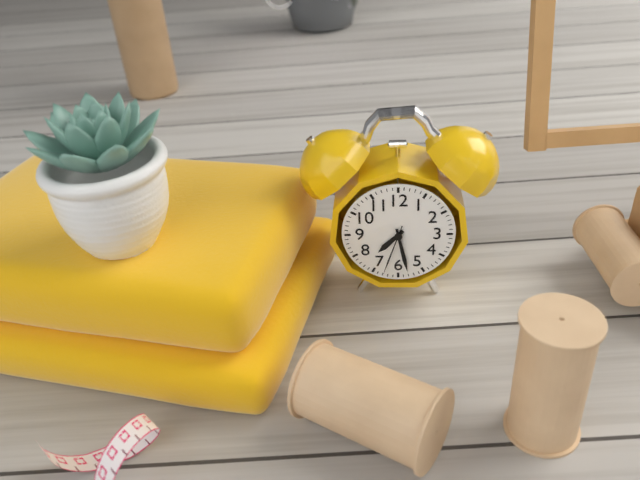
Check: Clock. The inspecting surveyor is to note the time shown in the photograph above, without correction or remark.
7:28:33
